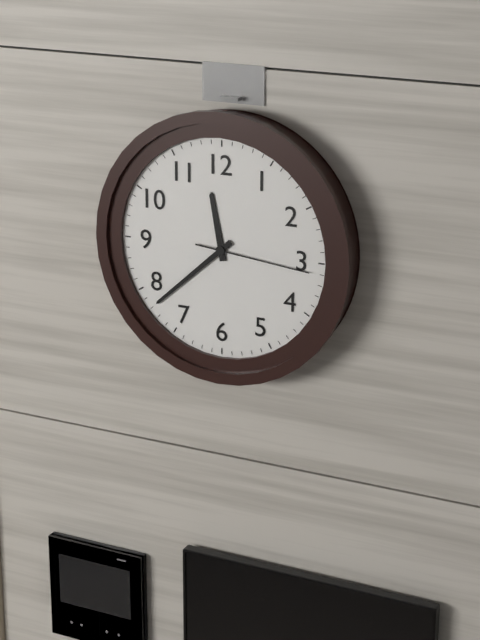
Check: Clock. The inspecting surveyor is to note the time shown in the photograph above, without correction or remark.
11:38:16
